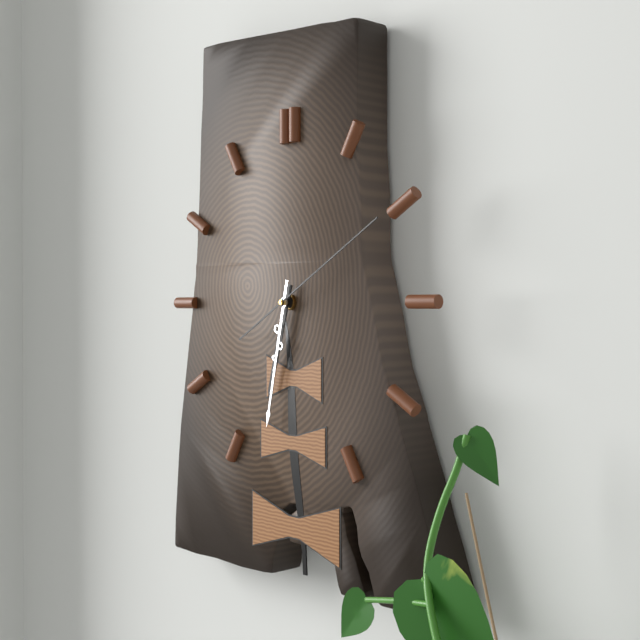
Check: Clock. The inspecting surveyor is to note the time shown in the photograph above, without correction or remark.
6:32:10
